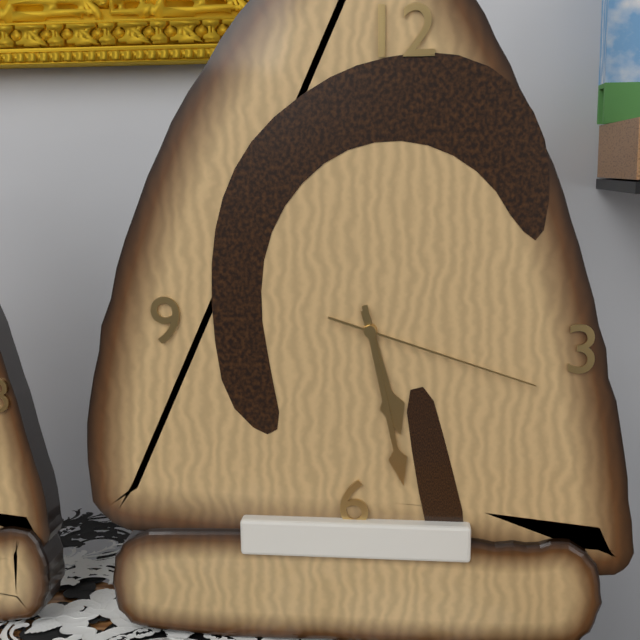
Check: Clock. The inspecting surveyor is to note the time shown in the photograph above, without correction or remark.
5:28:18
